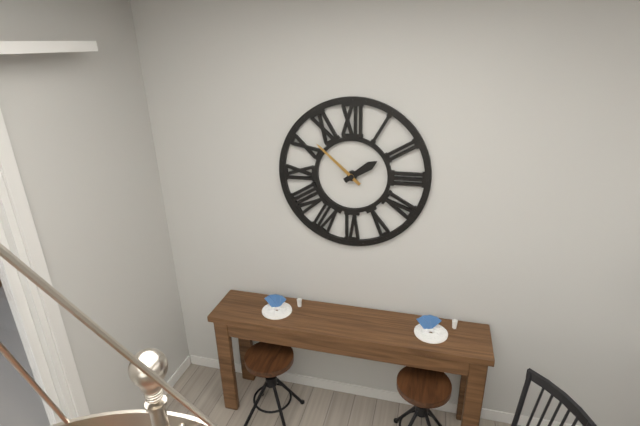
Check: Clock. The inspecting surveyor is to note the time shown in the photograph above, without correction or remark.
1:52
